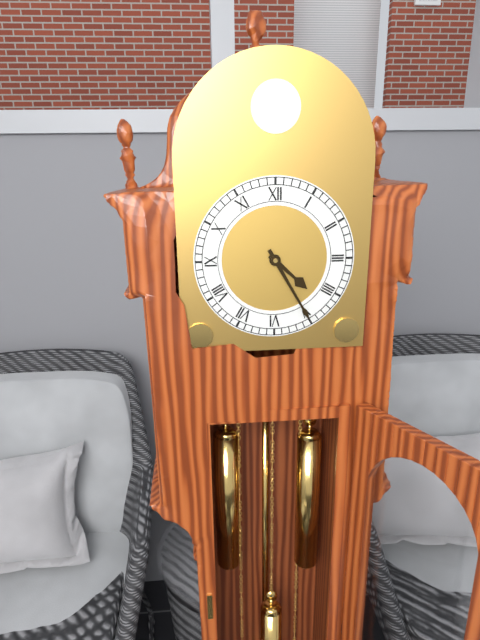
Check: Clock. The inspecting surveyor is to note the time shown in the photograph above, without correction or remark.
4:25
